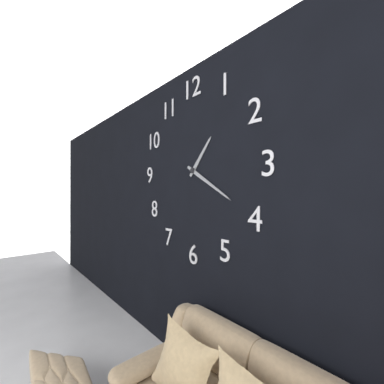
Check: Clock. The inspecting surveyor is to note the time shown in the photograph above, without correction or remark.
1:20
